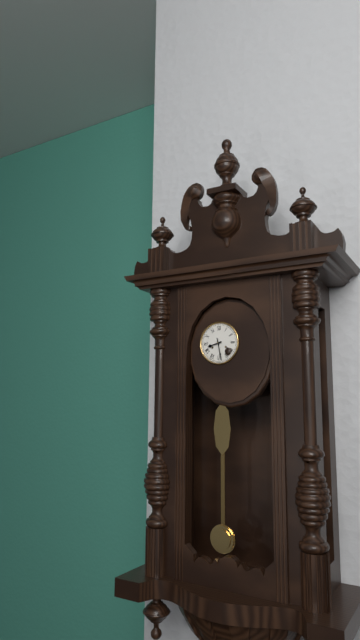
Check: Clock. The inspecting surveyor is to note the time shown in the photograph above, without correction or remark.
8:28
